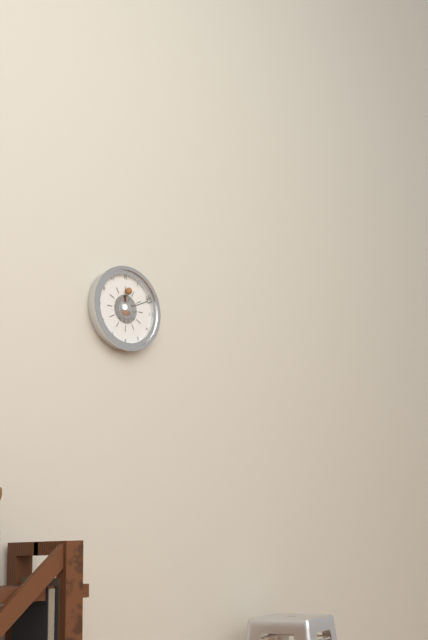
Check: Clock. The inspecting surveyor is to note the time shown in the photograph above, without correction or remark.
12:11
